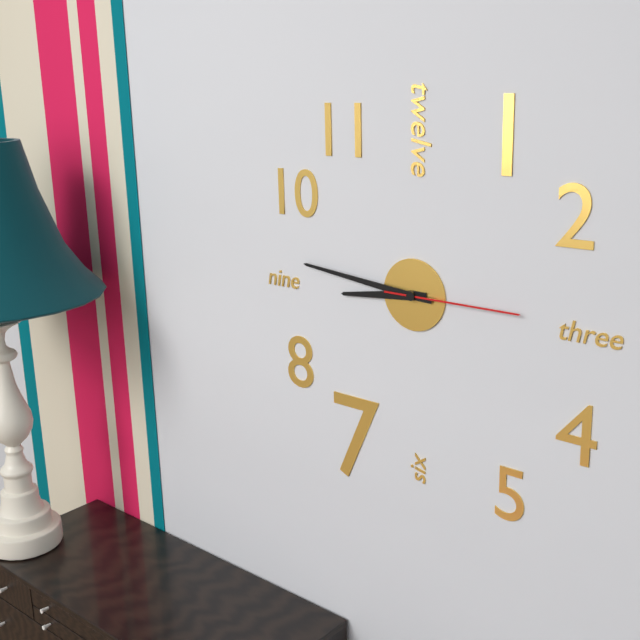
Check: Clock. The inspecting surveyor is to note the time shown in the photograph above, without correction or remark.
8:46:15
